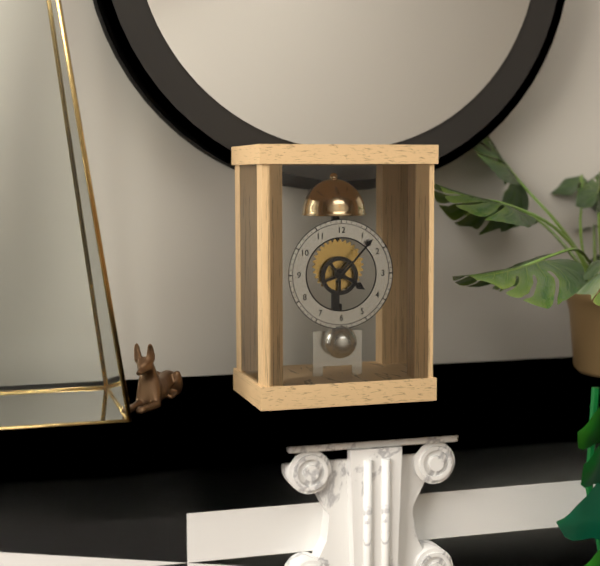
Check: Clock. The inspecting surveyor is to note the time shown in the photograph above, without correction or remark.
4:07
